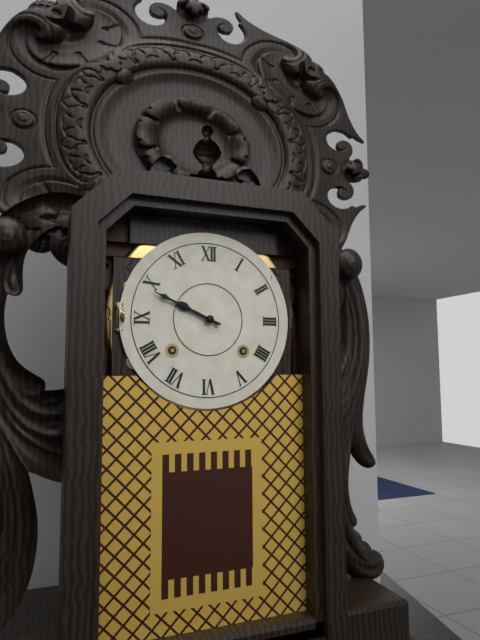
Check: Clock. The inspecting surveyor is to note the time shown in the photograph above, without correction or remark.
9:49
